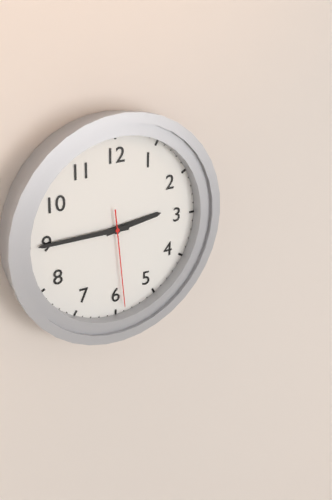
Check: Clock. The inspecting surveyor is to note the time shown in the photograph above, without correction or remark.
2:45:29
